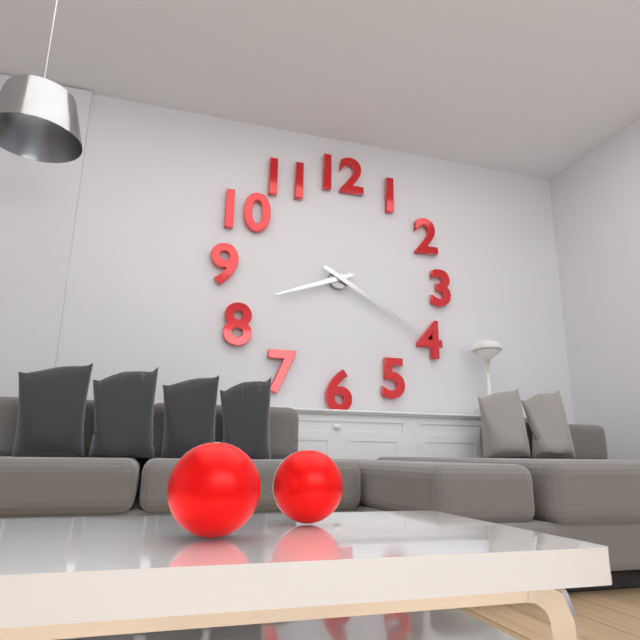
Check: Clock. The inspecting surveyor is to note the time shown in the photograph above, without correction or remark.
8:20
